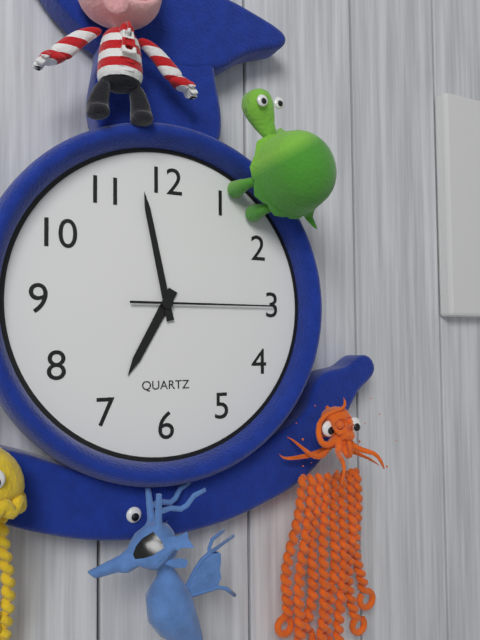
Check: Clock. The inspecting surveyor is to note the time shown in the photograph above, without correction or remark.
6:58:15
